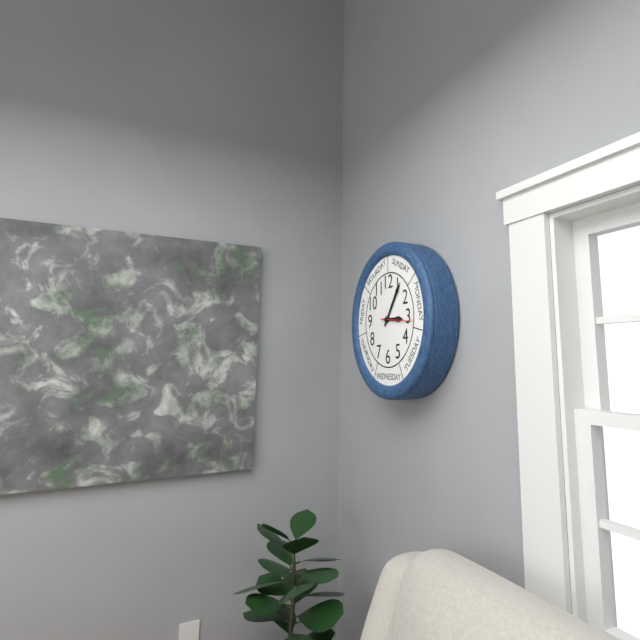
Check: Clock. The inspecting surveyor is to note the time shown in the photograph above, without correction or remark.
3:06
